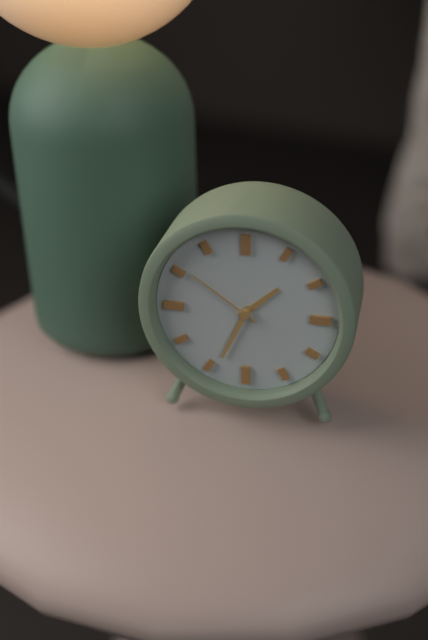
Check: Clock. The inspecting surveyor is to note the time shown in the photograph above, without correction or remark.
1:34:51
